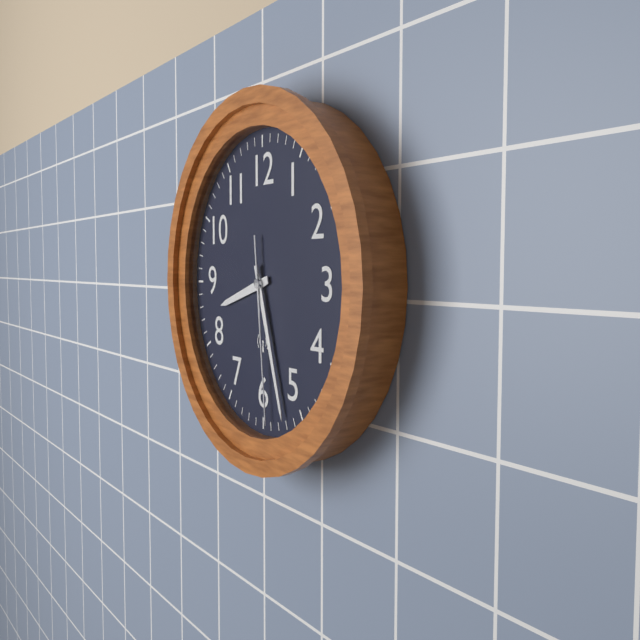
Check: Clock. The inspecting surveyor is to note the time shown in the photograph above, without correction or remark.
8:27:29
